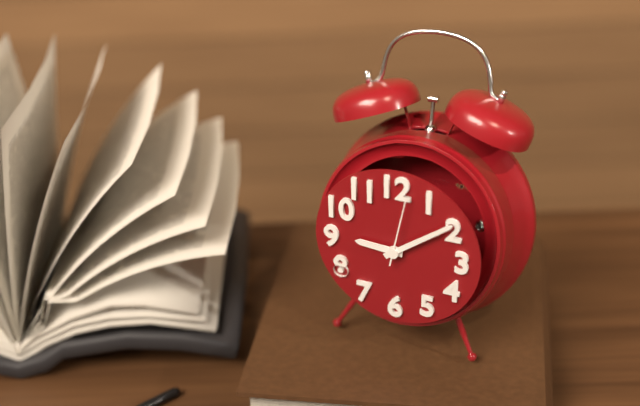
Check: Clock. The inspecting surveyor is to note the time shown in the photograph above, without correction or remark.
9:09:02
